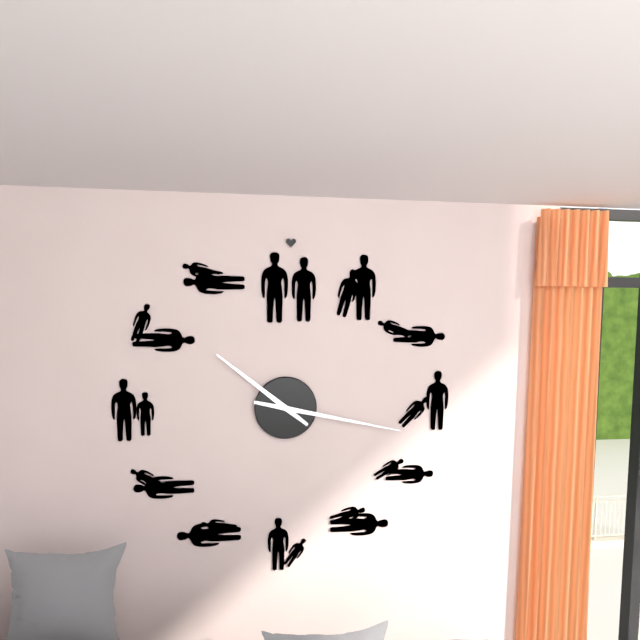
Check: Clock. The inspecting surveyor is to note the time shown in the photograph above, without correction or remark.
10:17
